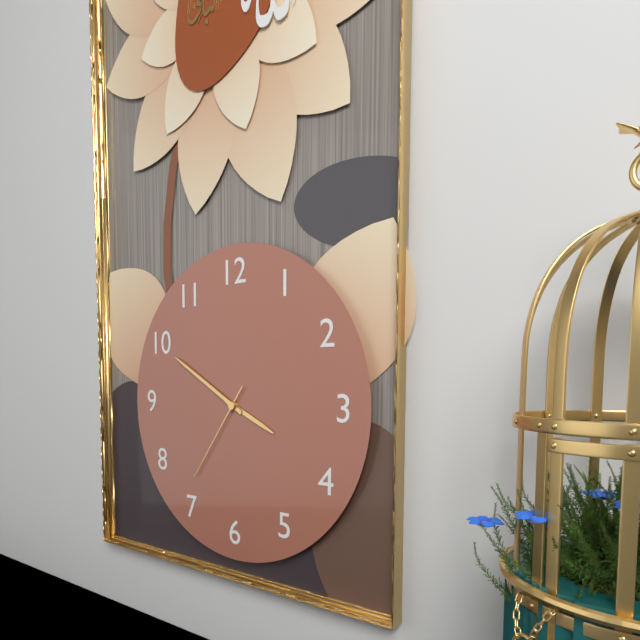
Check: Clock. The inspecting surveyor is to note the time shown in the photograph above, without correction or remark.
3:50:36
